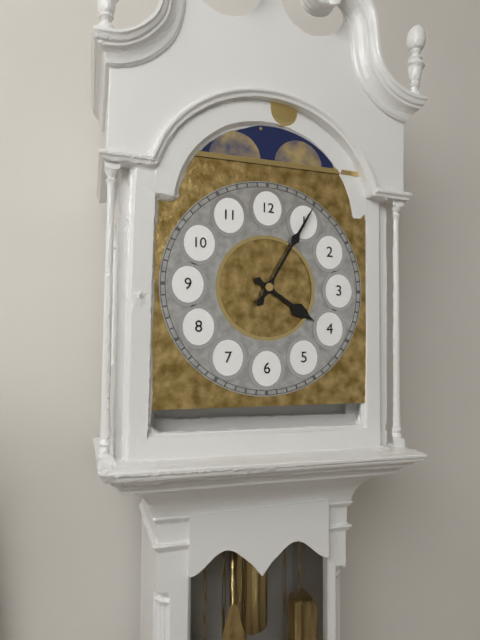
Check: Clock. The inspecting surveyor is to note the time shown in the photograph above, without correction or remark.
4:05
